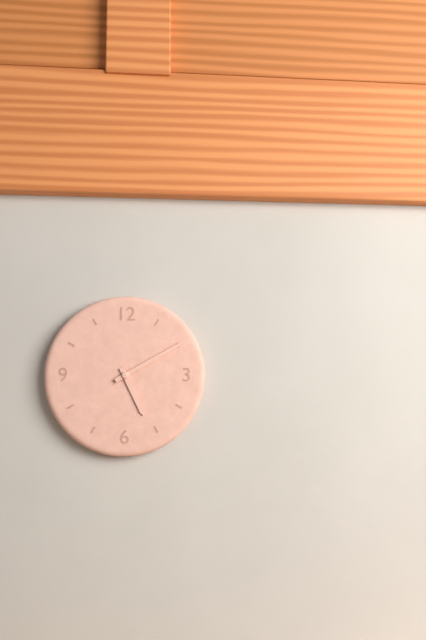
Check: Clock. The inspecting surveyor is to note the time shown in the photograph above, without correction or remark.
5:10
